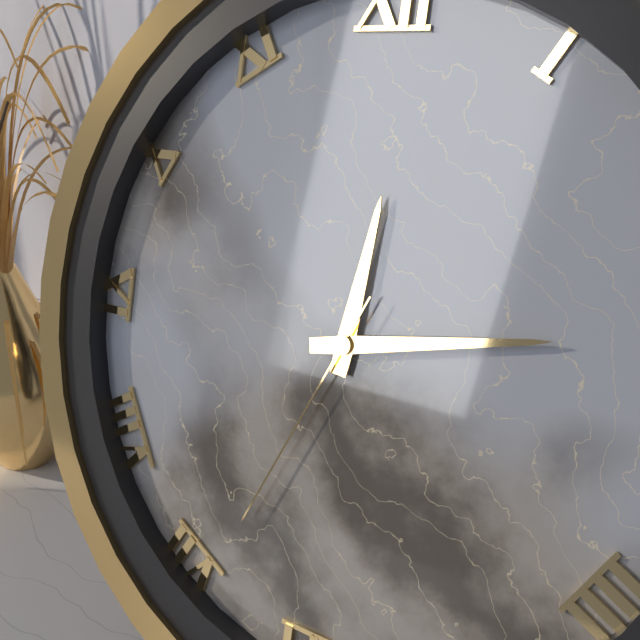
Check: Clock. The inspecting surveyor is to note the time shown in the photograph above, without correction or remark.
12:13:34
